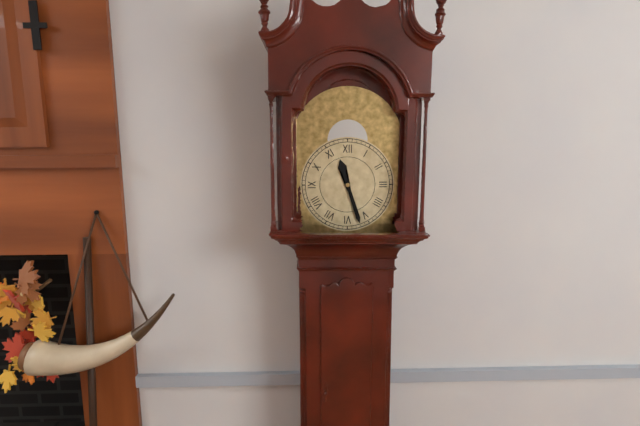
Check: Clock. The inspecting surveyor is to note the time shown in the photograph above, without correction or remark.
11:27
